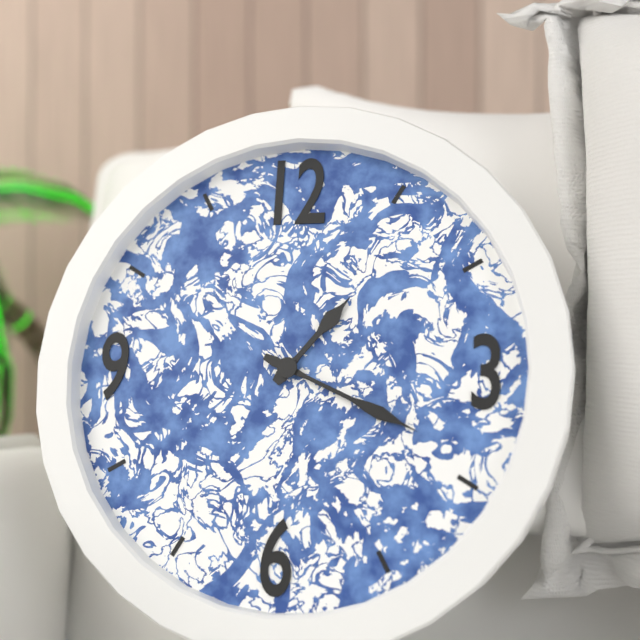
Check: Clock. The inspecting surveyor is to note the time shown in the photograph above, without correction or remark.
1:19
